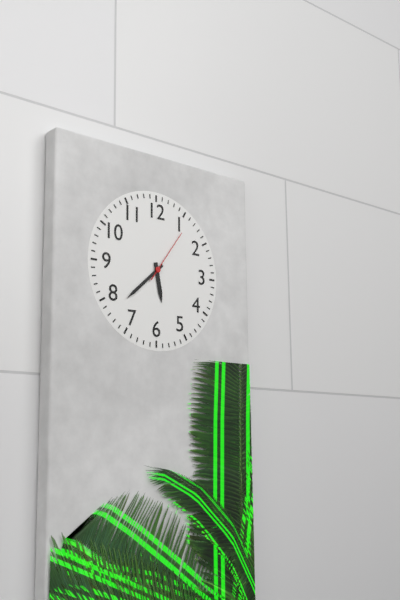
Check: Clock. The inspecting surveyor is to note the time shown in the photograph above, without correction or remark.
5:38:06
